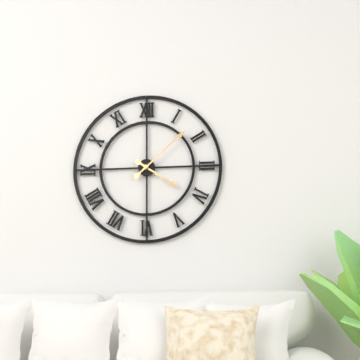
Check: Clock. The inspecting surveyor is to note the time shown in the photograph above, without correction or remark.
4:08
